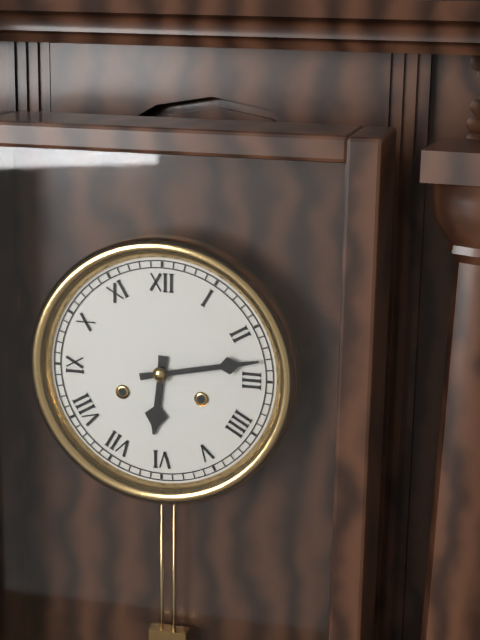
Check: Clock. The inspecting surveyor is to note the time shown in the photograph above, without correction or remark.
6:13
